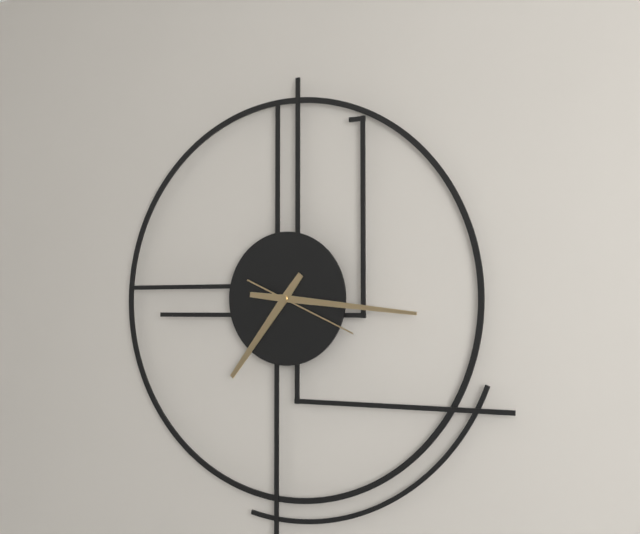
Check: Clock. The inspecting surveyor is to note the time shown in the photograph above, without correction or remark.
7:16:19
